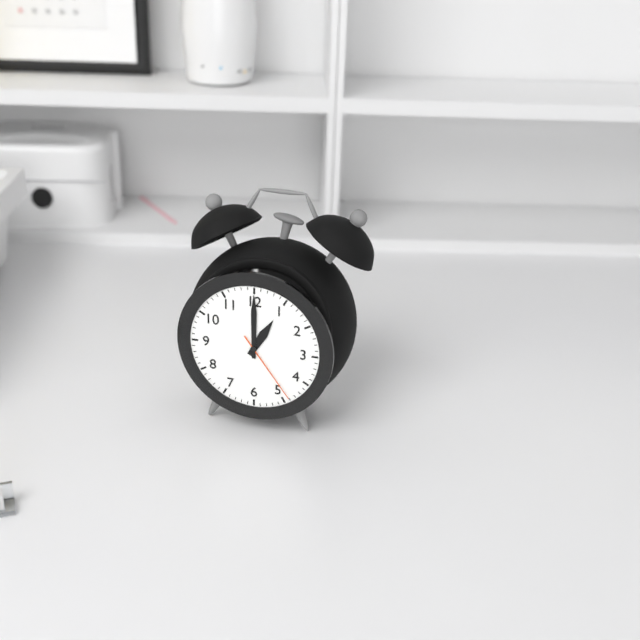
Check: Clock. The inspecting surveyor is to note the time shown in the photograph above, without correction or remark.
1:00:24
